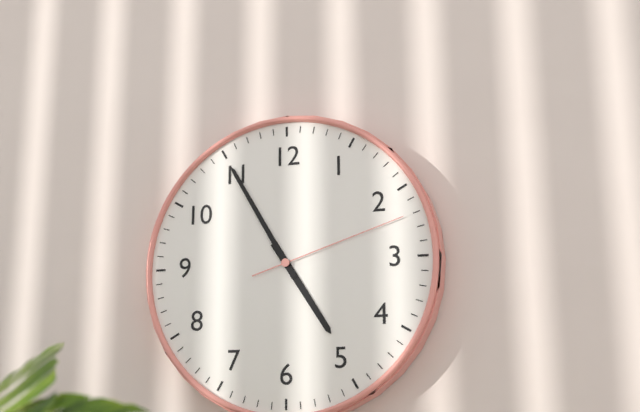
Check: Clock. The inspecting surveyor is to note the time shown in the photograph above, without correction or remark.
4:55:12
